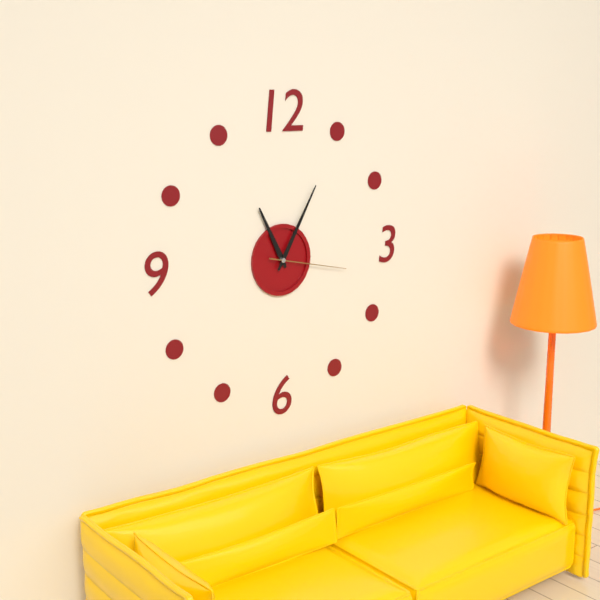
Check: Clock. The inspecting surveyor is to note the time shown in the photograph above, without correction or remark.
11:05:17
